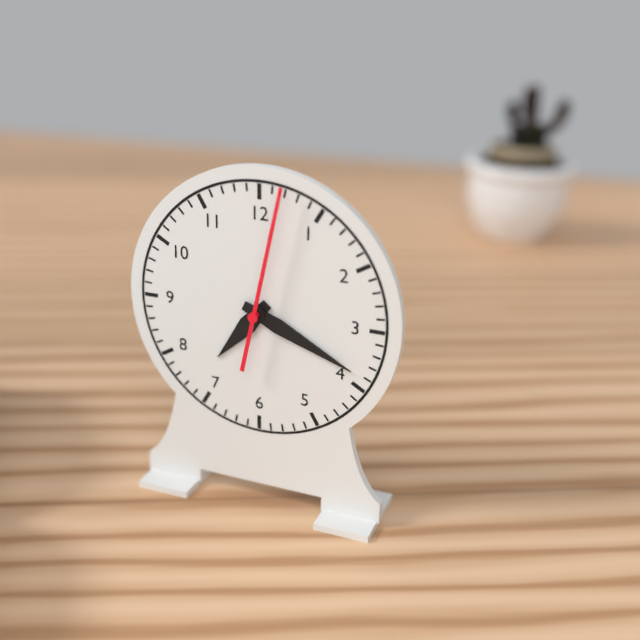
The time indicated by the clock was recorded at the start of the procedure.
7:19:02
